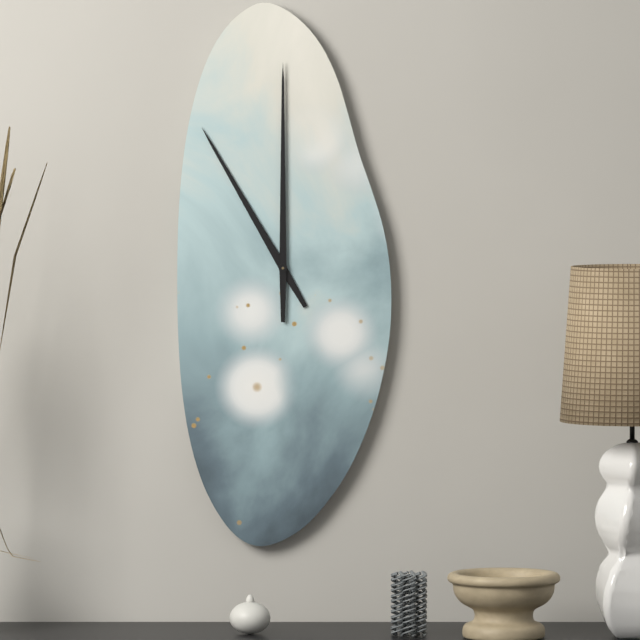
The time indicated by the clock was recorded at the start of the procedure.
11:00
